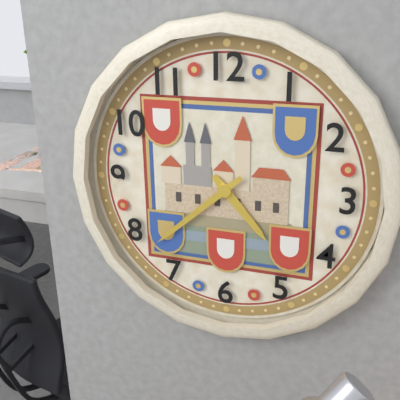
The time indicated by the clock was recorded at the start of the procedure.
4:38
